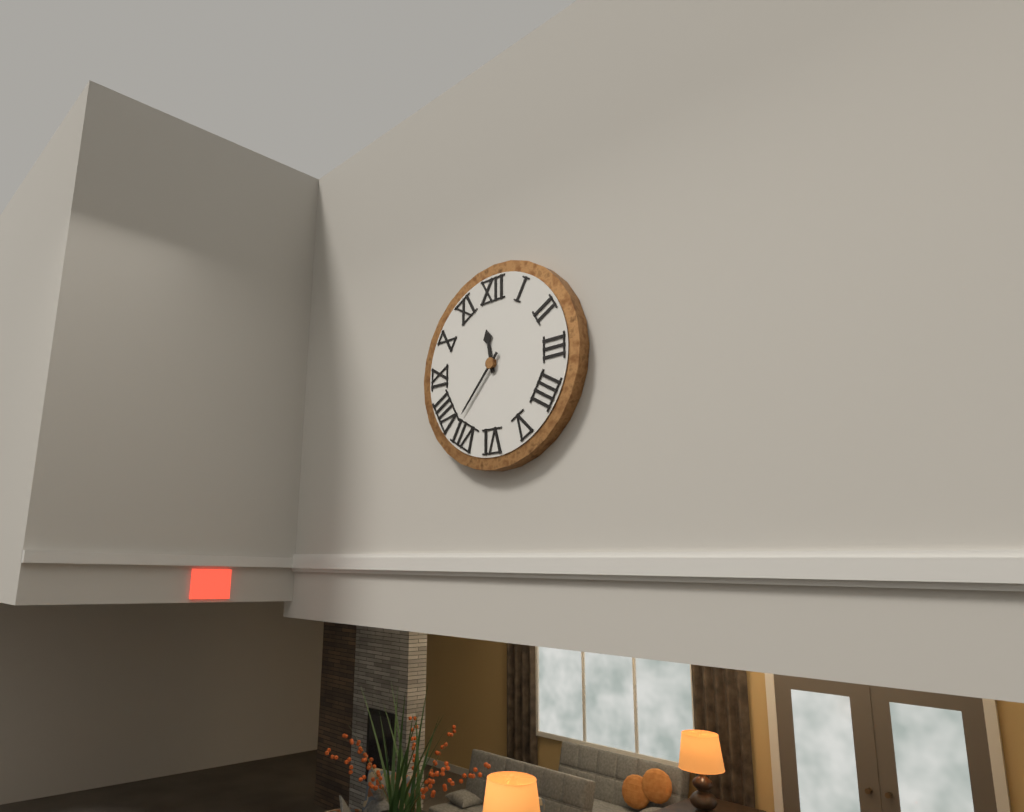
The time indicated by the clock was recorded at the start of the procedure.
11:37
